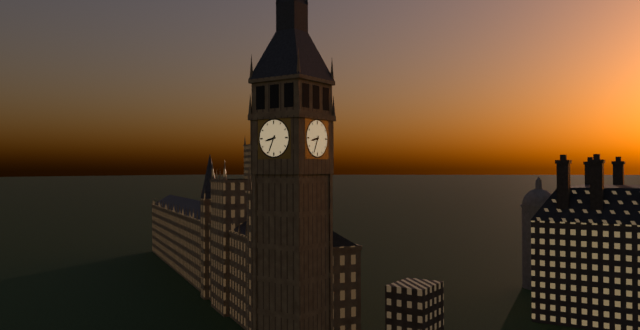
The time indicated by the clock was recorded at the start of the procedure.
8:34
